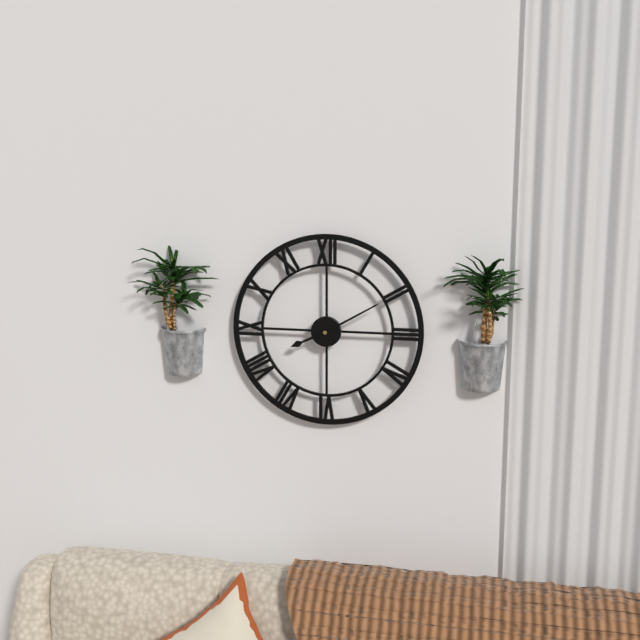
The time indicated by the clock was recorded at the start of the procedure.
8:10
